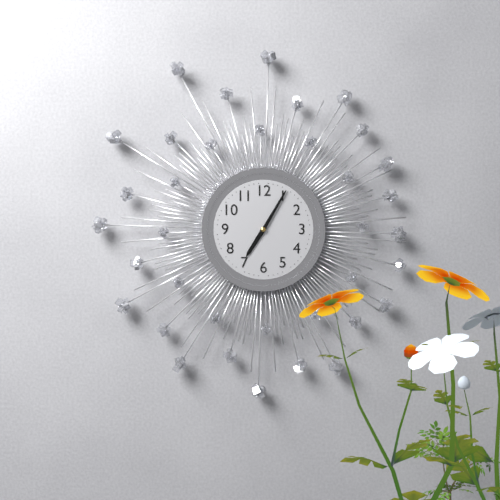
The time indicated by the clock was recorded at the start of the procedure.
7:05
